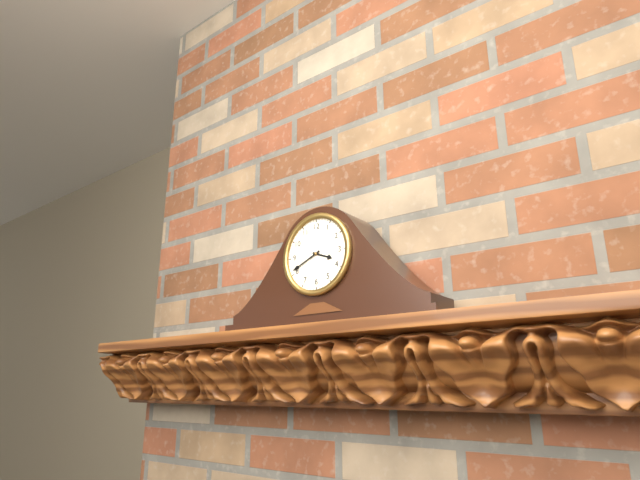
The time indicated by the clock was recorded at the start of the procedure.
3:41
